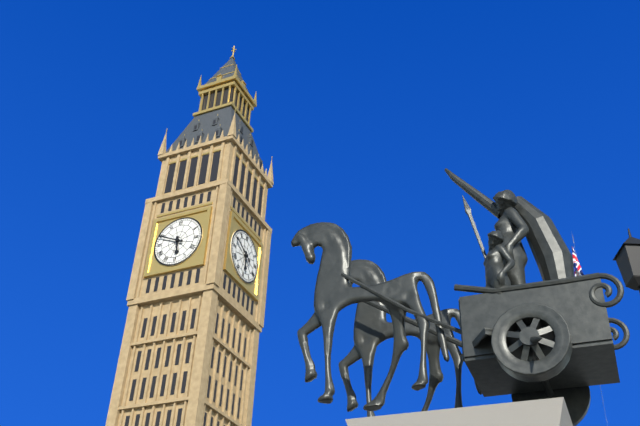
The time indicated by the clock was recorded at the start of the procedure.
5:49
